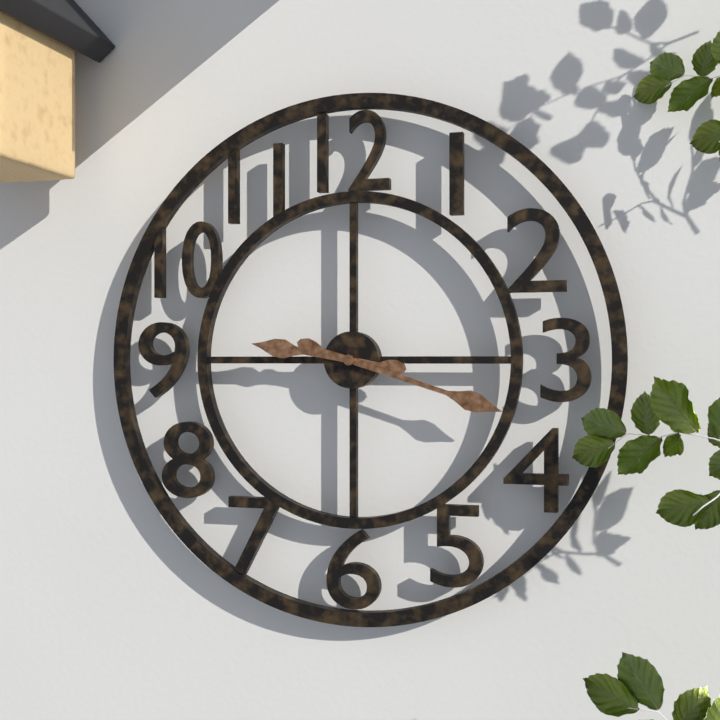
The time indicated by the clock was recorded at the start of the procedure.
9:18
